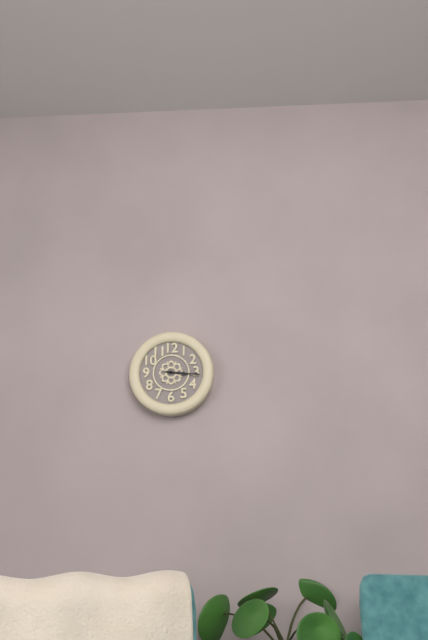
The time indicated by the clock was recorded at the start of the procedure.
3:16
